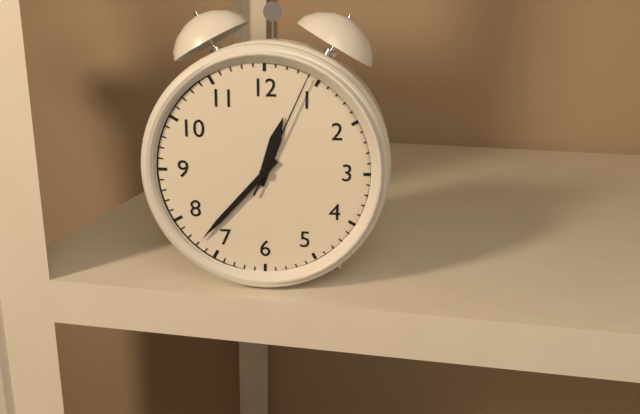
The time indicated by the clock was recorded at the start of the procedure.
12:37:04
